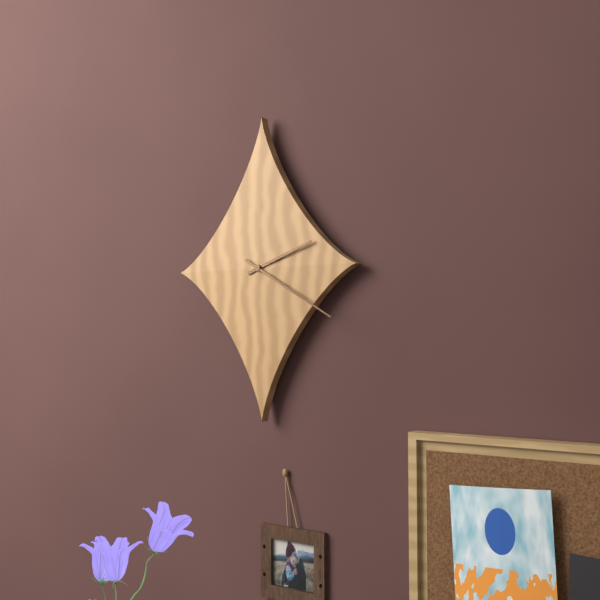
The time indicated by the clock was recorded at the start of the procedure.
2:20
